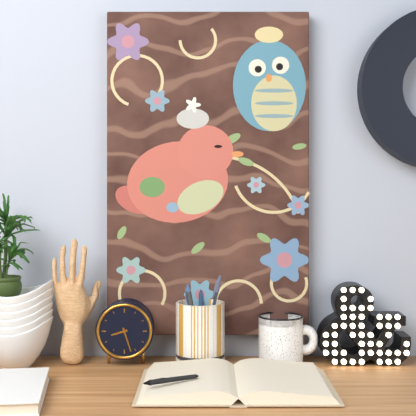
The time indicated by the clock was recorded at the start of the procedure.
8:27
